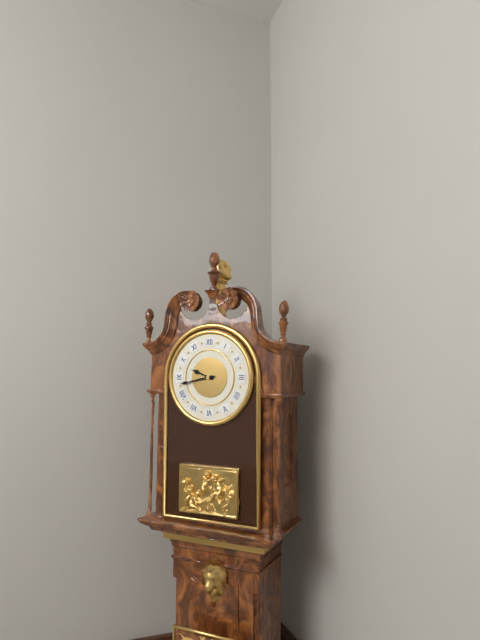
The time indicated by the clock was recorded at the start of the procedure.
9:43
